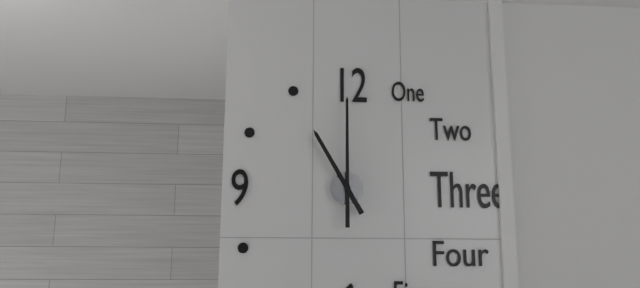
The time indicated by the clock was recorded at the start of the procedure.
11:00
